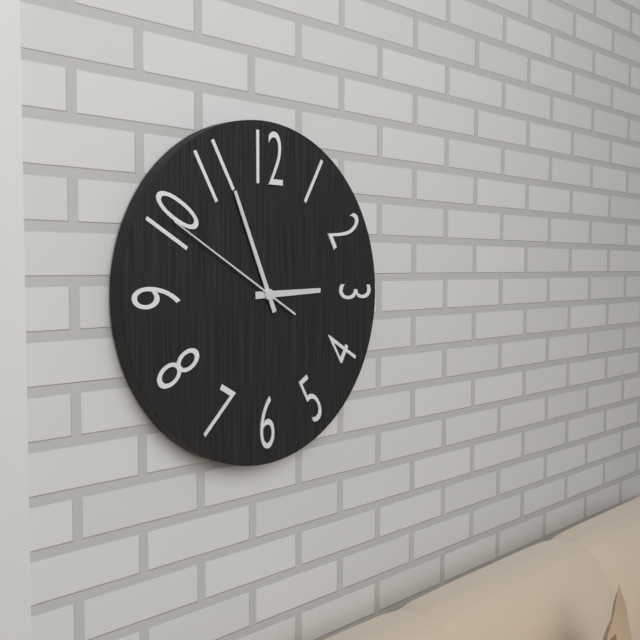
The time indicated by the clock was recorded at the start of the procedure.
2:56:50
